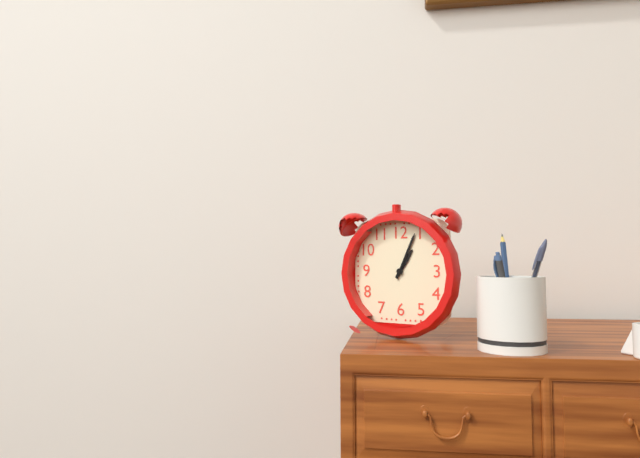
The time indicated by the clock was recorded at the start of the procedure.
1:04
